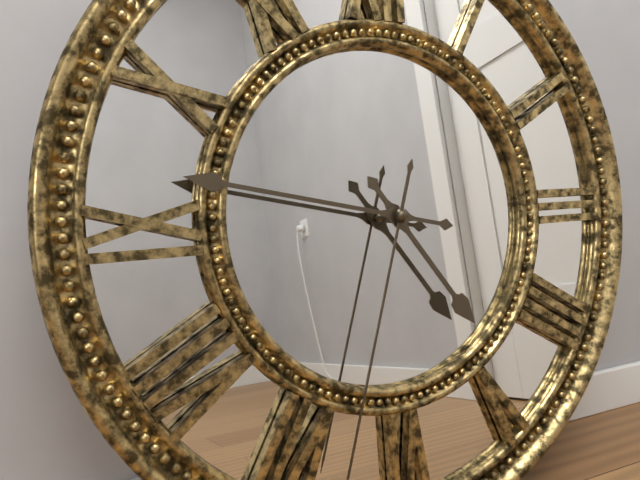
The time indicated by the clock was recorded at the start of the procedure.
4:47
